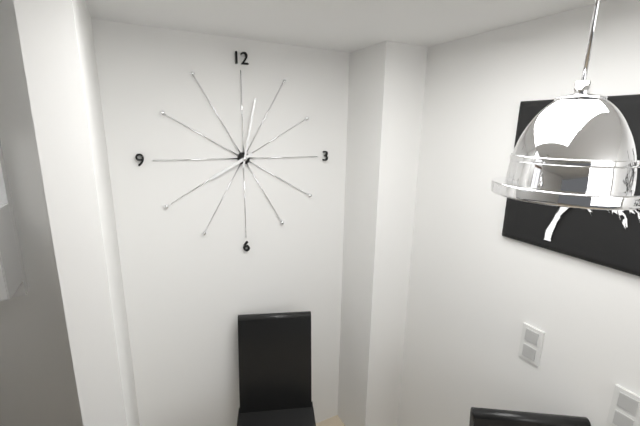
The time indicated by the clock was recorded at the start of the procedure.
8:02
